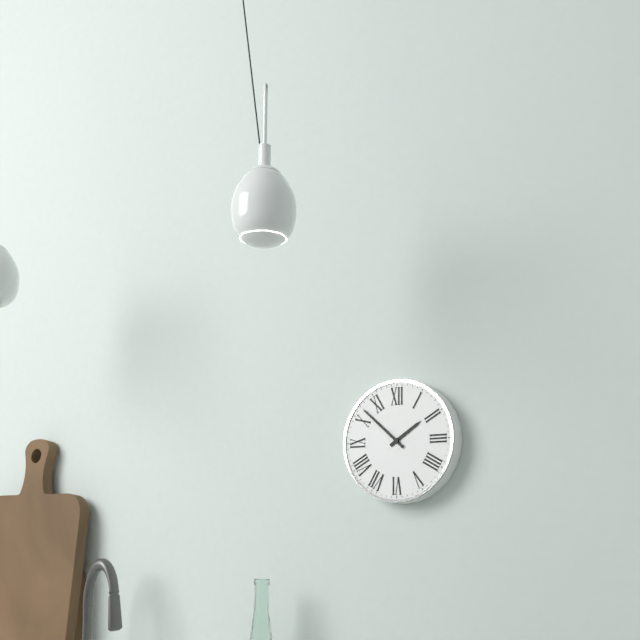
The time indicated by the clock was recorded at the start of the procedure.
1:52
